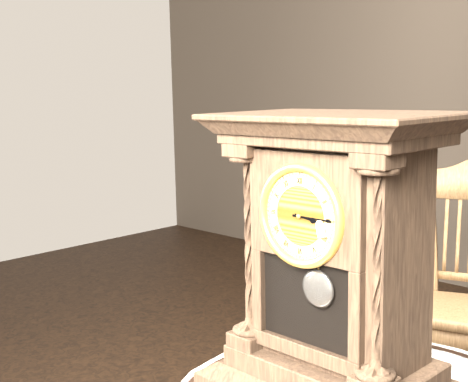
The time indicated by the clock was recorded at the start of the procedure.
3:15
